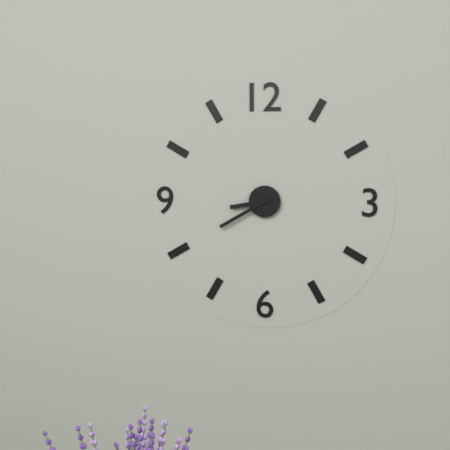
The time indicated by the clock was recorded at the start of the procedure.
8:40
